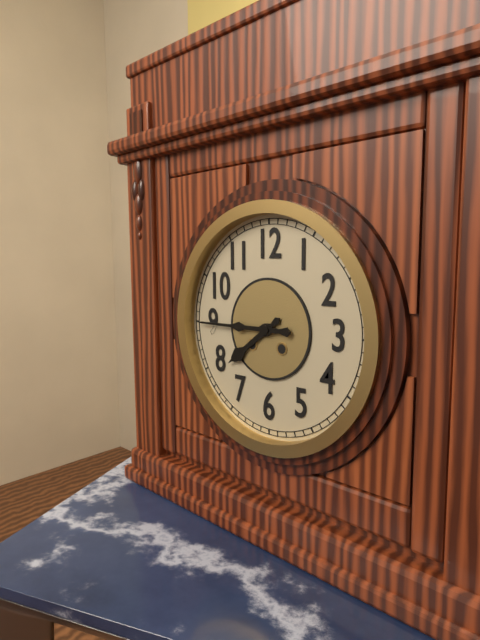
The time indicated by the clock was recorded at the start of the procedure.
7:45
